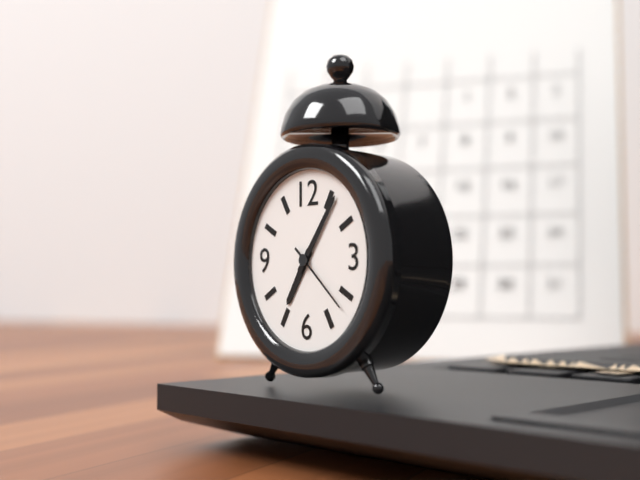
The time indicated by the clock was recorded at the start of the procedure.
7:06:22
